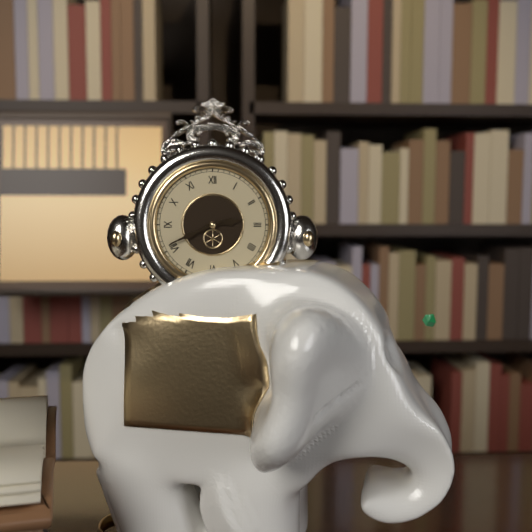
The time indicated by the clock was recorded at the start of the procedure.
2:41
